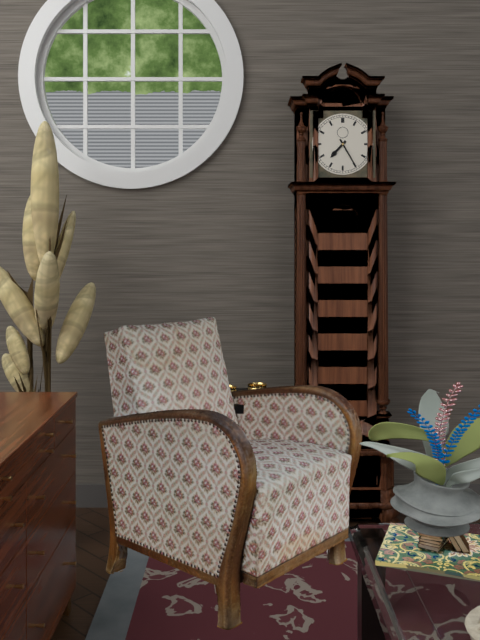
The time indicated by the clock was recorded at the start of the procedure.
7:25
